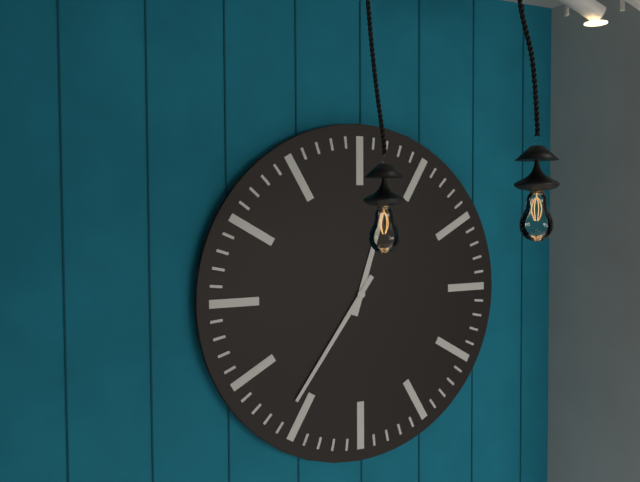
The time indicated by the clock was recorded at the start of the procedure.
12:36
